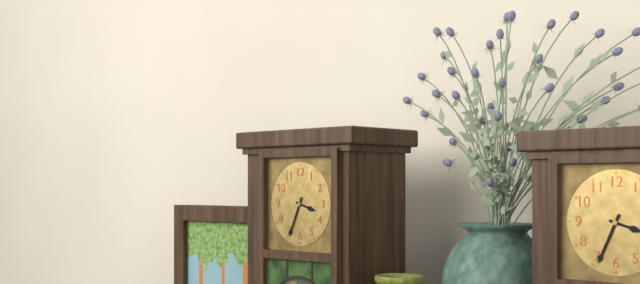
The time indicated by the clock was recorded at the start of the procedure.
3:34
